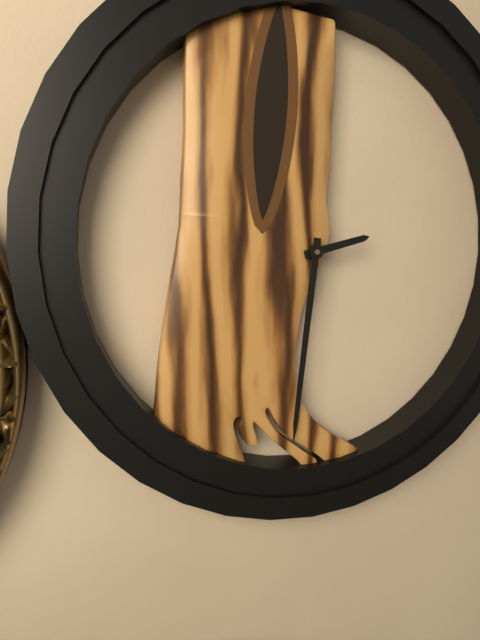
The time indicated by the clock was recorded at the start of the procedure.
2:31
